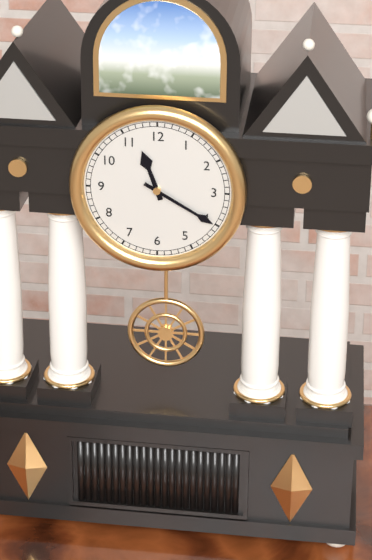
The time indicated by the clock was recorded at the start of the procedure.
11:20
